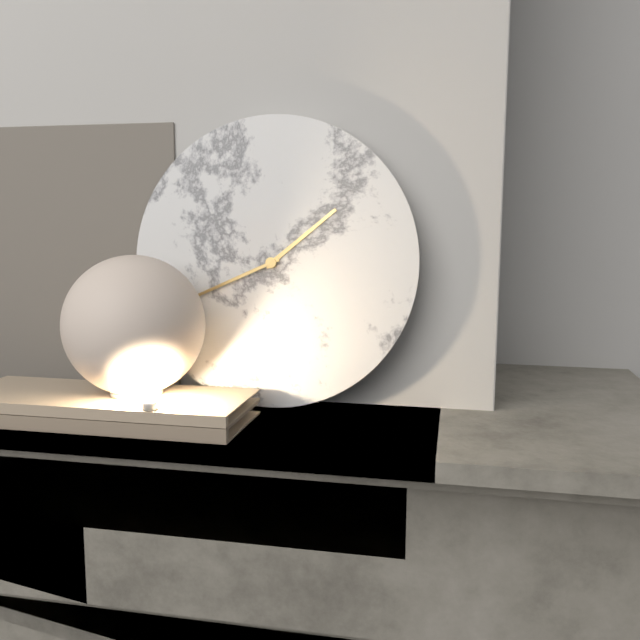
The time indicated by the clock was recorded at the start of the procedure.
1:41
